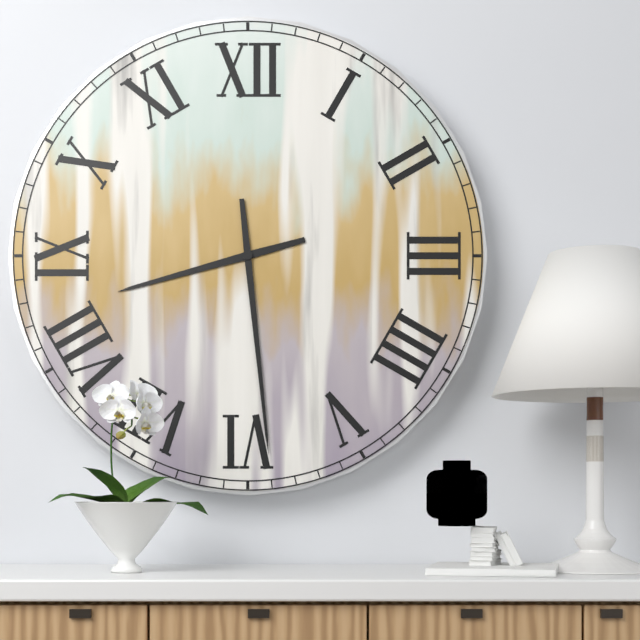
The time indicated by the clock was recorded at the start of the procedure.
8:29
